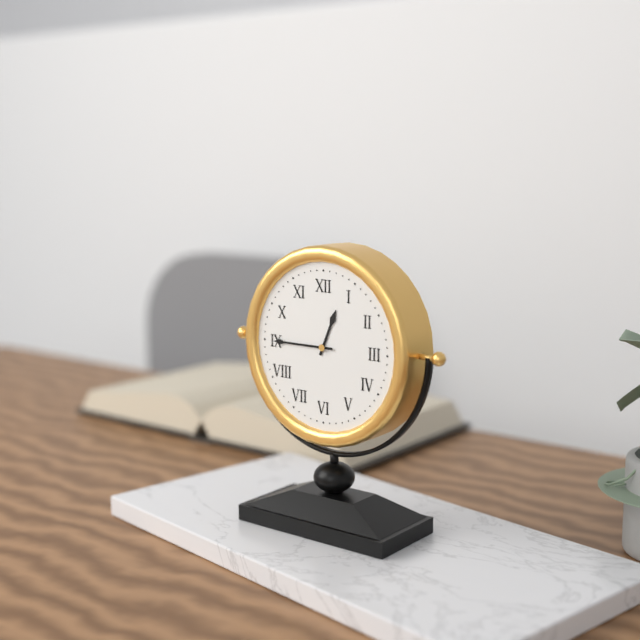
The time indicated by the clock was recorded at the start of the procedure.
12:45
